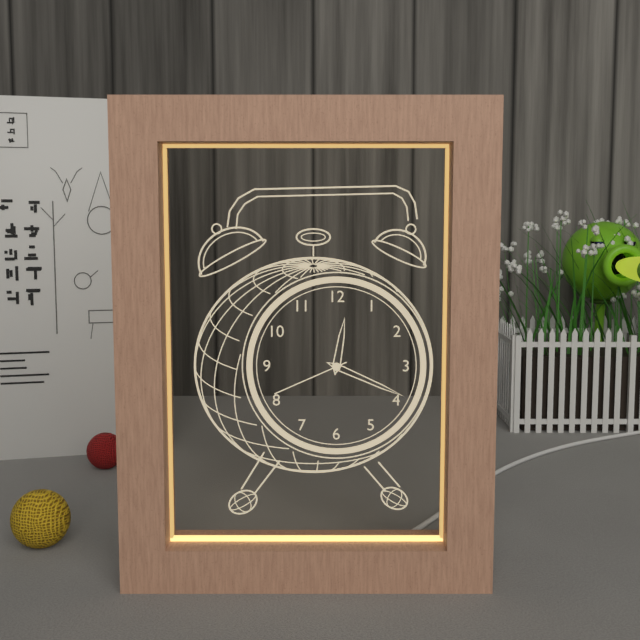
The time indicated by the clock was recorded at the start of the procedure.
12:19:41
